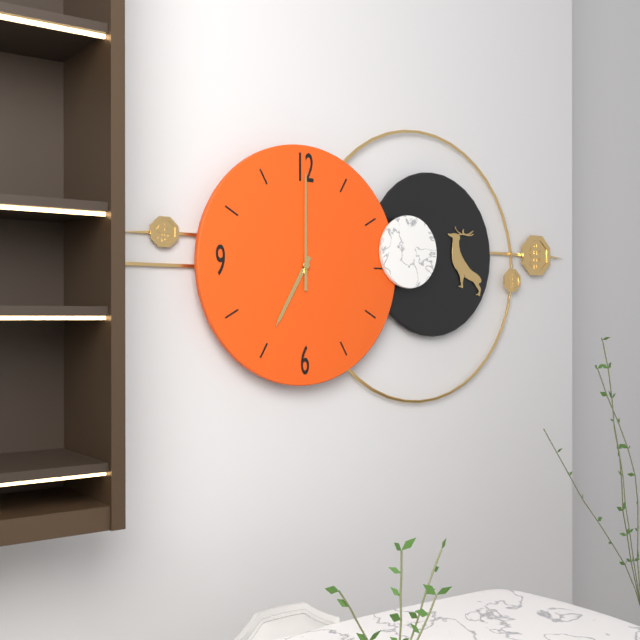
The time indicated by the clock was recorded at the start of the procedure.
7:00
